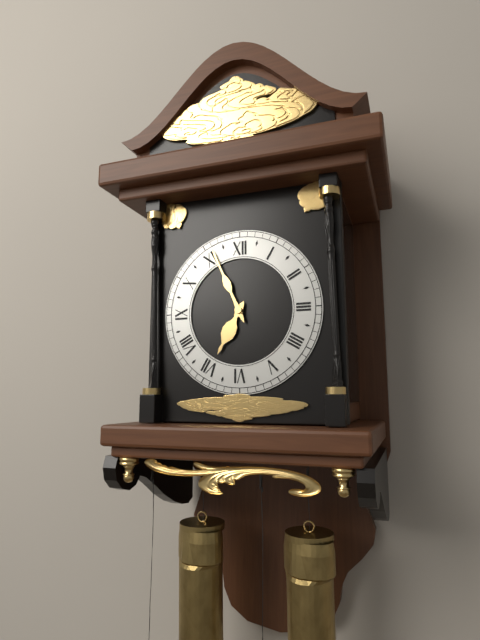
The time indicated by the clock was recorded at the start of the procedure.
6:56
